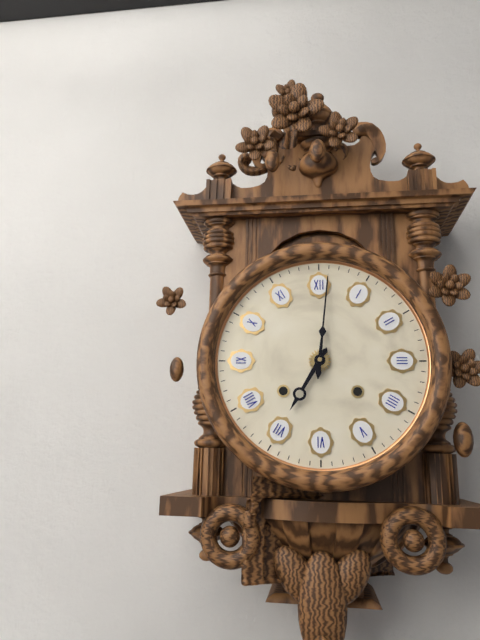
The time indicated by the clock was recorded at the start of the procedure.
7:01
